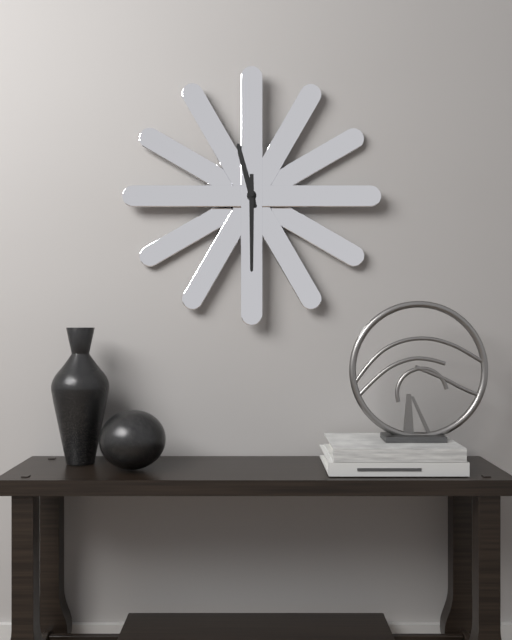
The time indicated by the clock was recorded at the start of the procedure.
11:30
